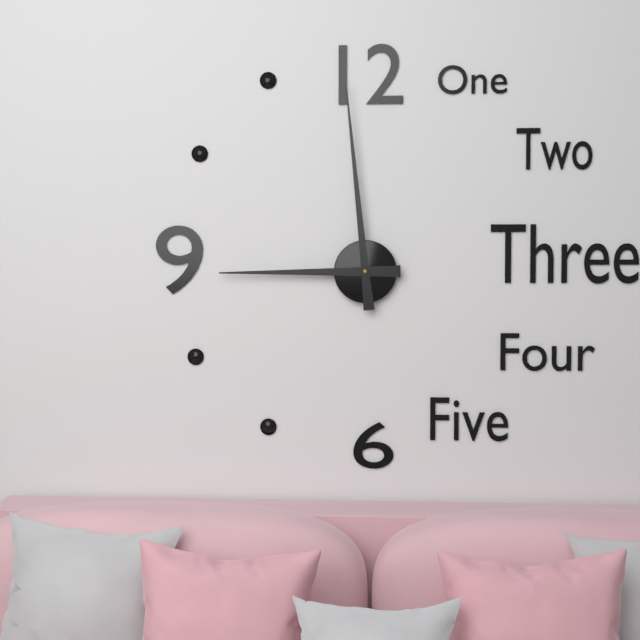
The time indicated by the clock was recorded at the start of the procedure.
8:59
